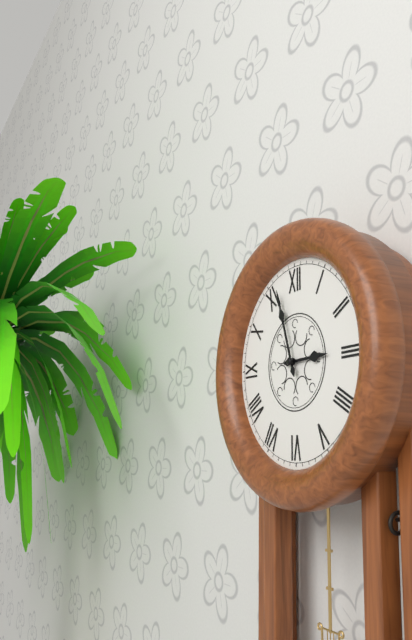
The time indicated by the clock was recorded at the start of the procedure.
2:57
